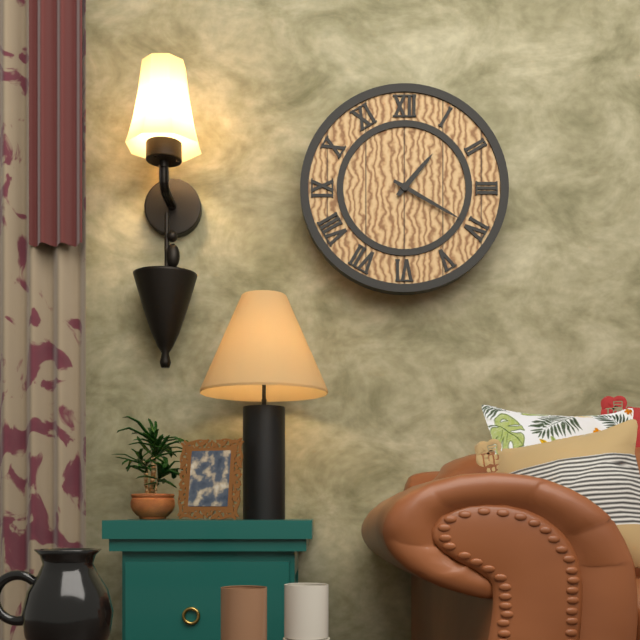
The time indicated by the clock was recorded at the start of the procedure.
1:20
